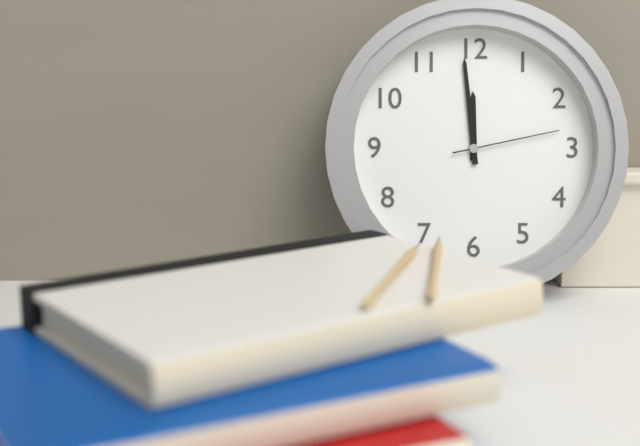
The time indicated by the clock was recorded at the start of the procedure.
11:59:13
